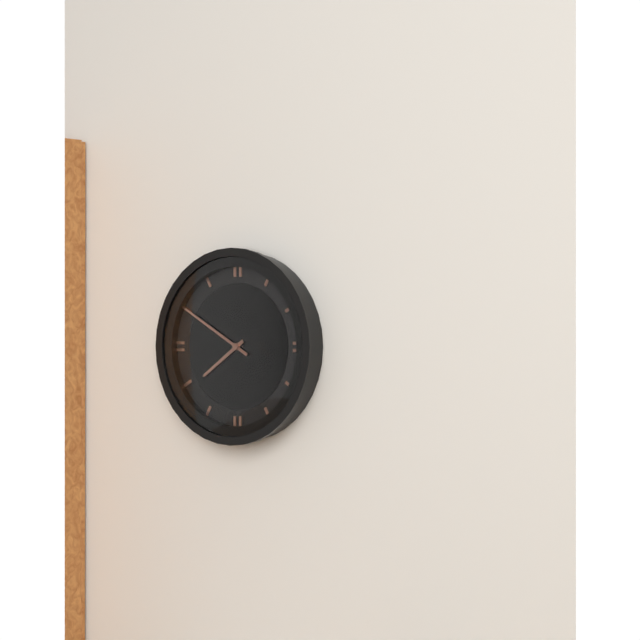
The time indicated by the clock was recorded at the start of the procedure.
7:50
